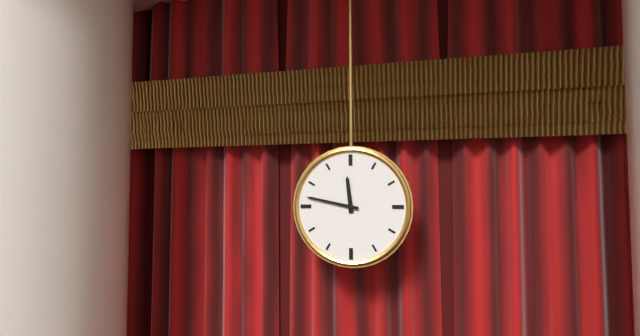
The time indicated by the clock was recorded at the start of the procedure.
11:47
